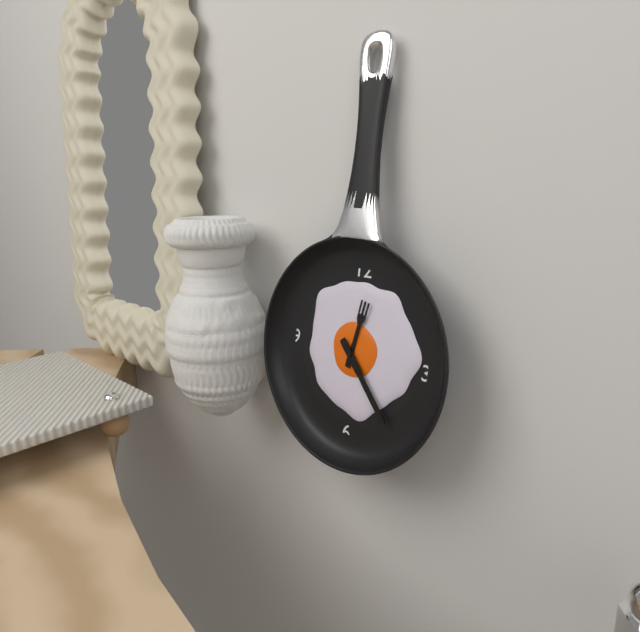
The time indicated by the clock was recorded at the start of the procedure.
12:23
